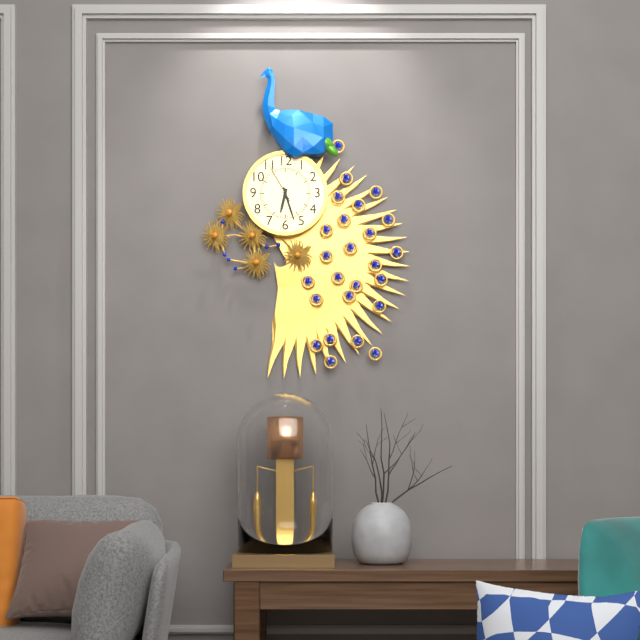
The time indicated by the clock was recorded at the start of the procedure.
6:27
